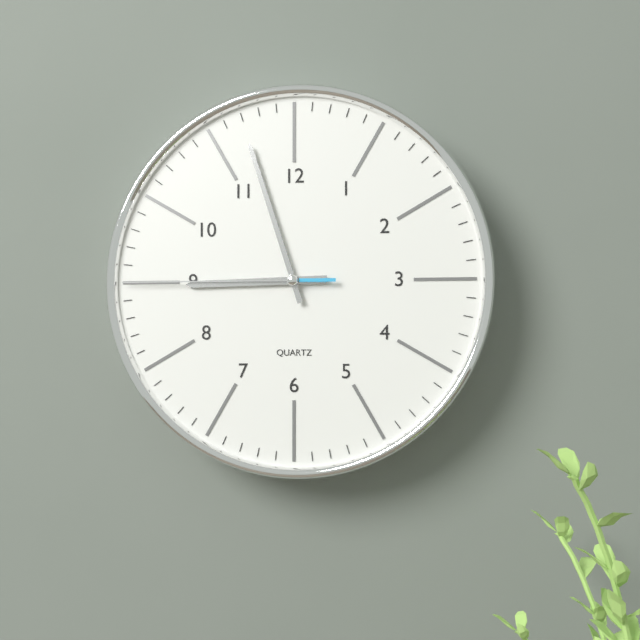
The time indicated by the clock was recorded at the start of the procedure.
8:57:45
